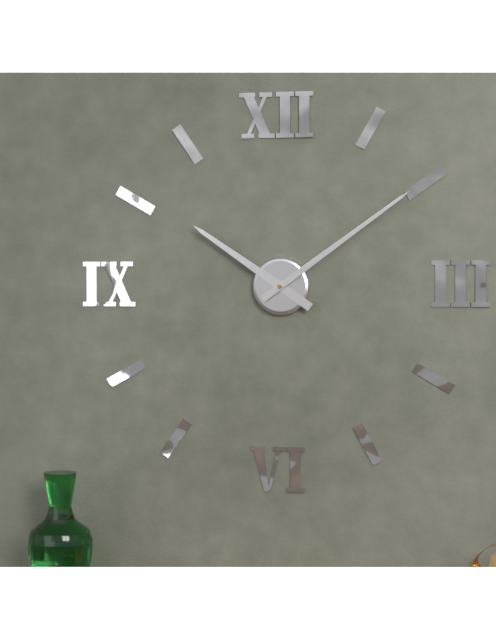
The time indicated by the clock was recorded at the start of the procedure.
10:09
